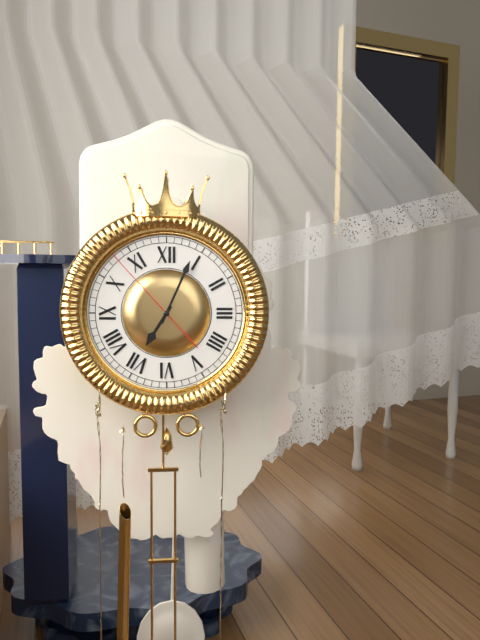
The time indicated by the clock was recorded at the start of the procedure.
7:04:53
